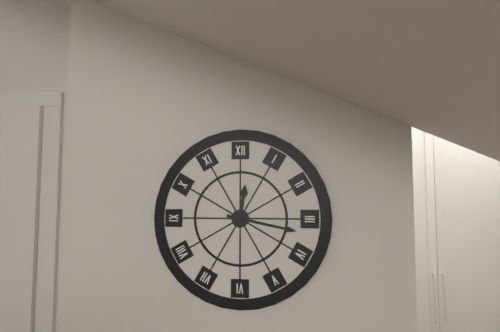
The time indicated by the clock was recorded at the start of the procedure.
12:17
